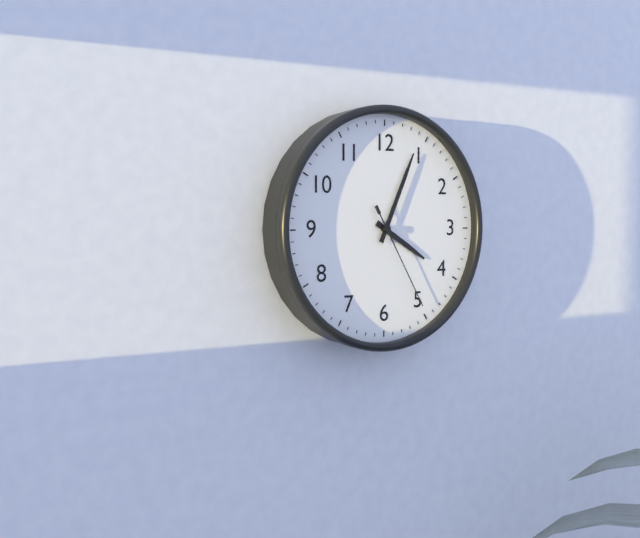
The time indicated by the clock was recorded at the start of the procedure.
4:04:25
